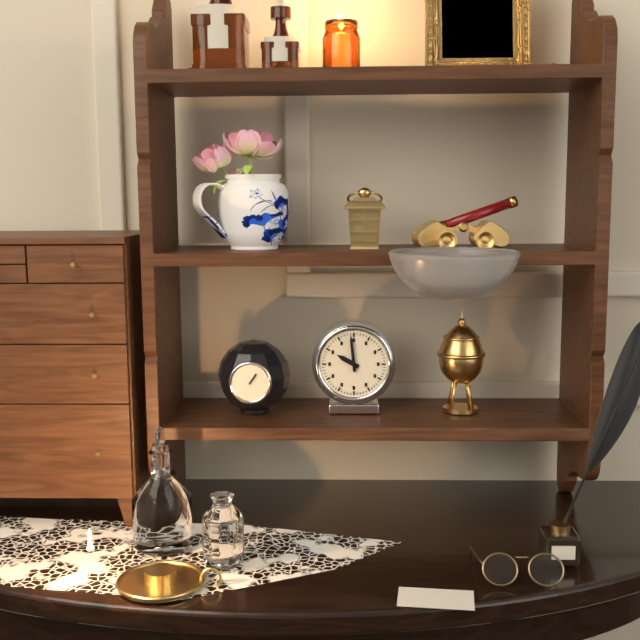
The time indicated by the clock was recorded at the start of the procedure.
9:59
